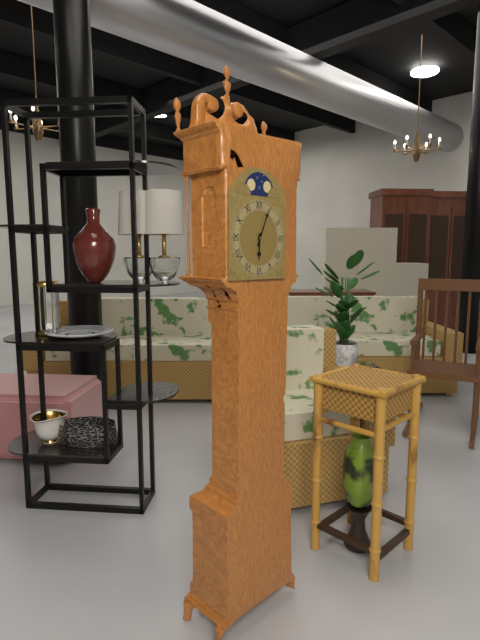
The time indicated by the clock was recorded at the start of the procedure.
6:04
